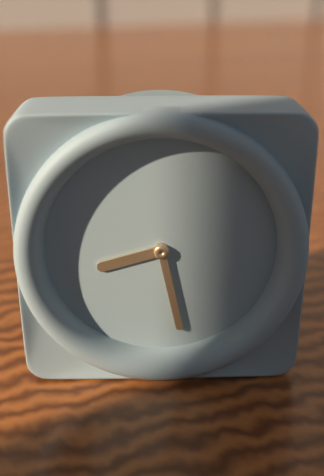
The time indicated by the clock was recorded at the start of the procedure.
8:28
